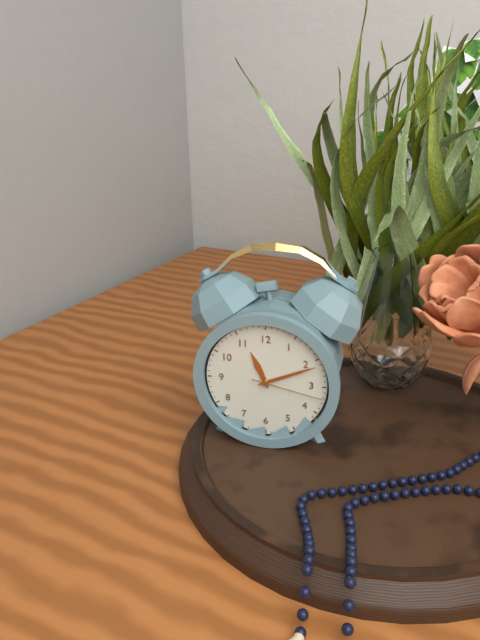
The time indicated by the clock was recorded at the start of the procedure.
11:11:17
